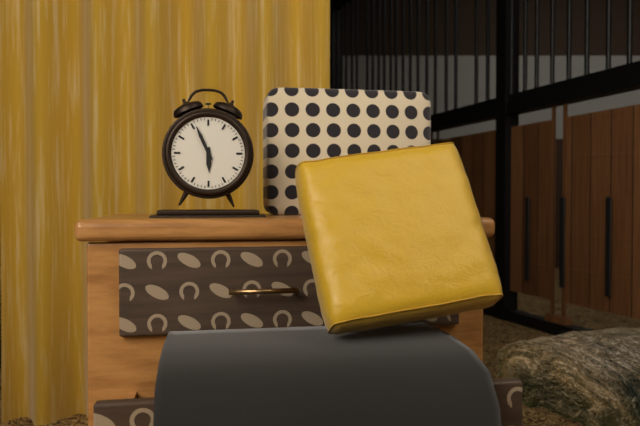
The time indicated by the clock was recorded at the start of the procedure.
5:56
